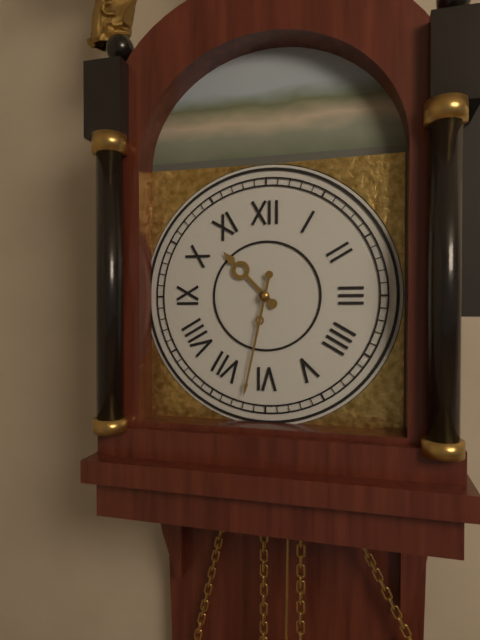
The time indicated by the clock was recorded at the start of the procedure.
10:32
